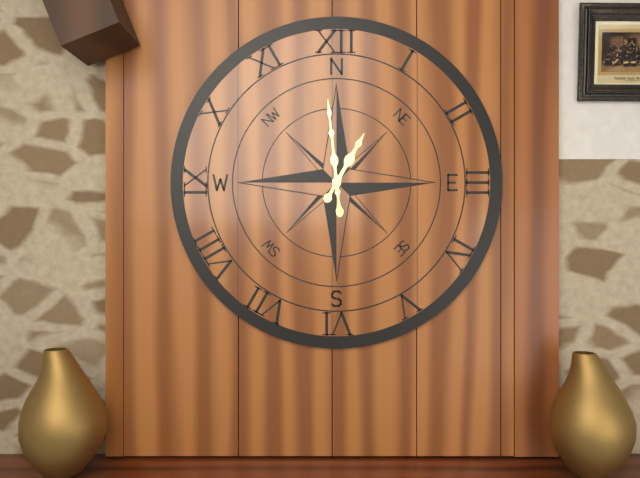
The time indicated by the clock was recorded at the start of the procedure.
12:59
